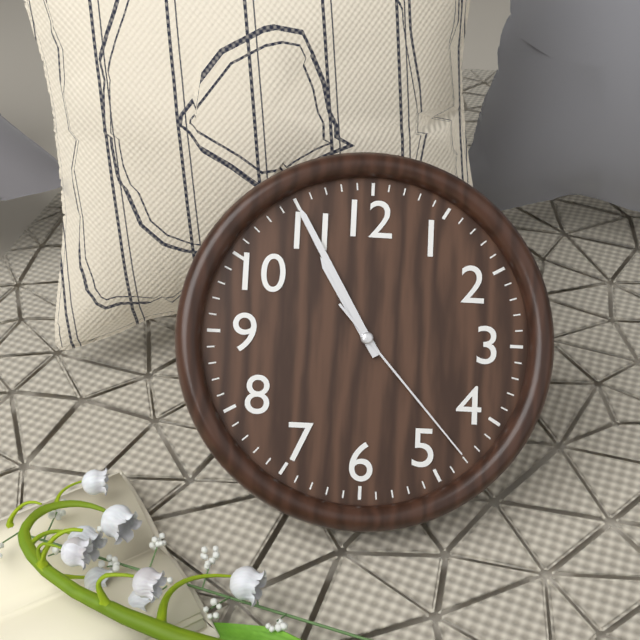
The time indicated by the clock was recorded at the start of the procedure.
10:55:23
